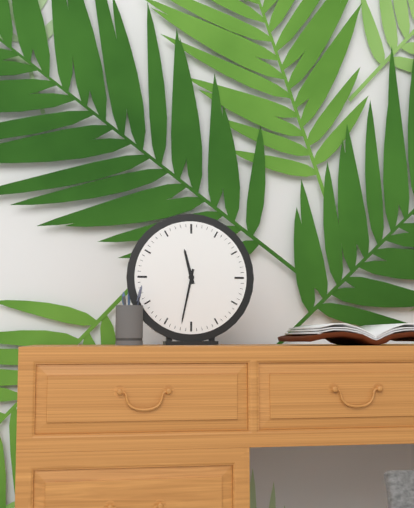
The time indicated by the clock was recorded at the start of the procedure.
11:32
